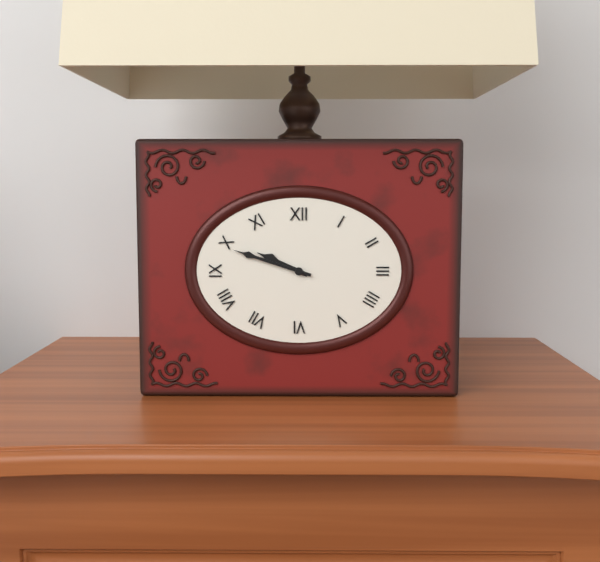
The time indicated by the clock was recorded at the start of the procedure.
9:48
